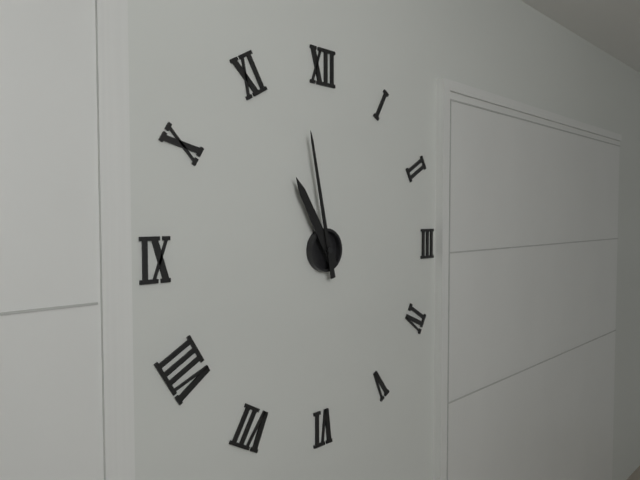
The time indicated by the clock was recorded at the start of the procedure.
10:58
